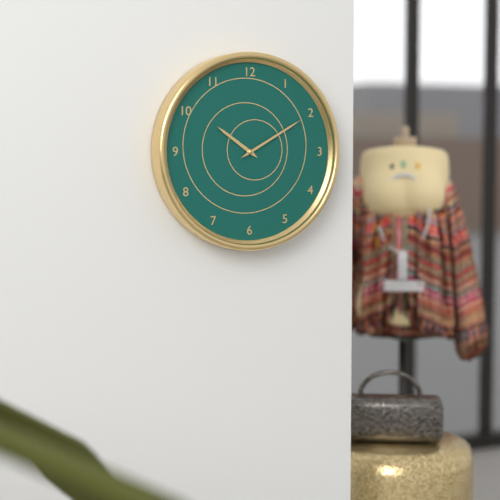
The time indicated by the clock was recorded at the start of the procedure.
10:10
